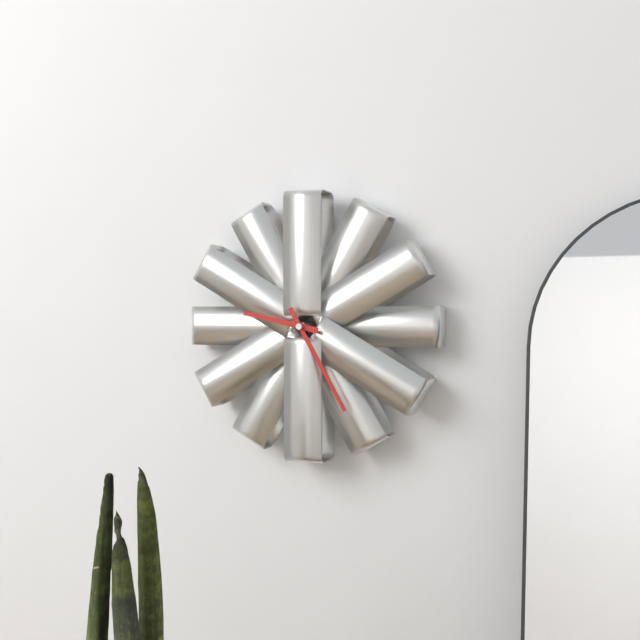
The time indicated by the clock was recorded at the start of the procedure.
9:25
